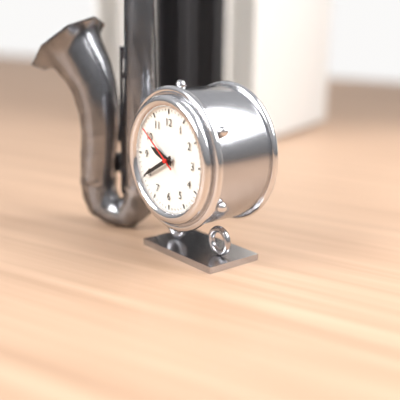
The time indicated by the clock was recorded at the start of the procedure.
9:40
